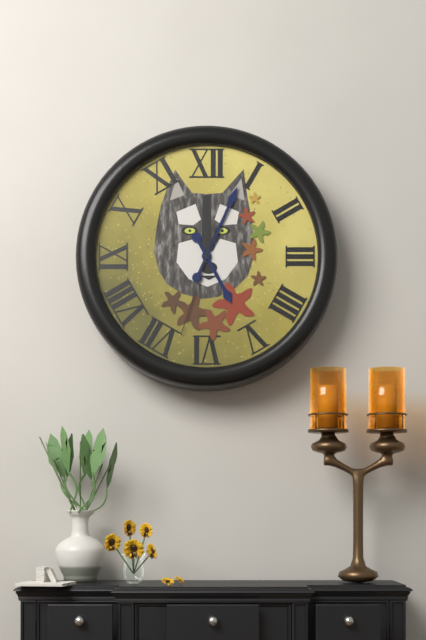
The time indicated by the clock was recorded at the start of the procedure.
5:04:33
